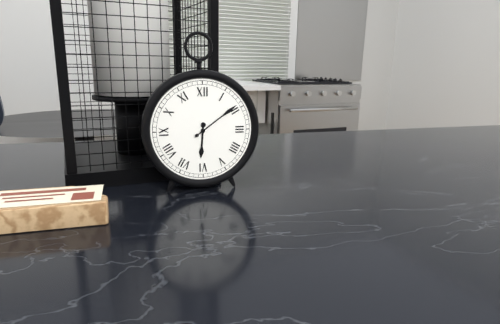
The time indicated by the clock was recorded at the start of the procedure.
6:09
